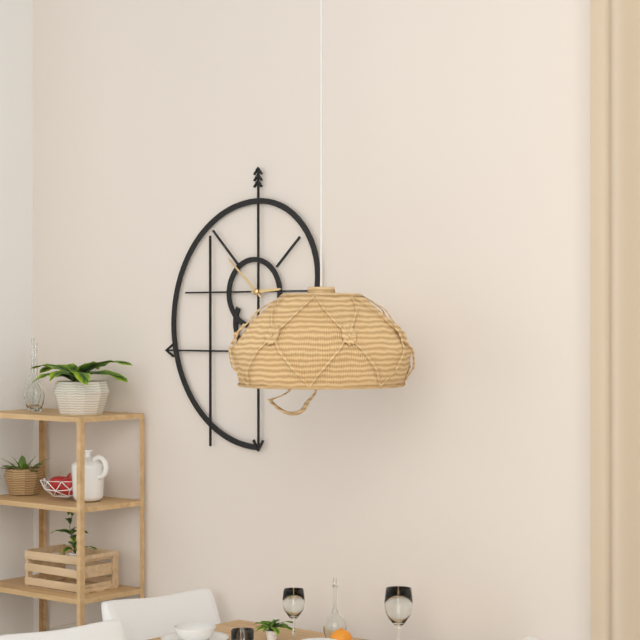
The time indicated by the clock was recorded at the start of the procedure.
2:52
